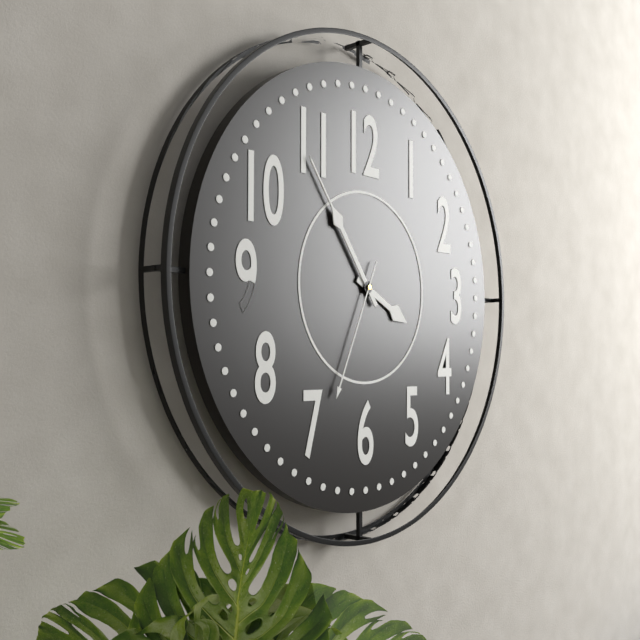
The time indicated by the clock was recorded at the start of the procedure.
3:54:34
